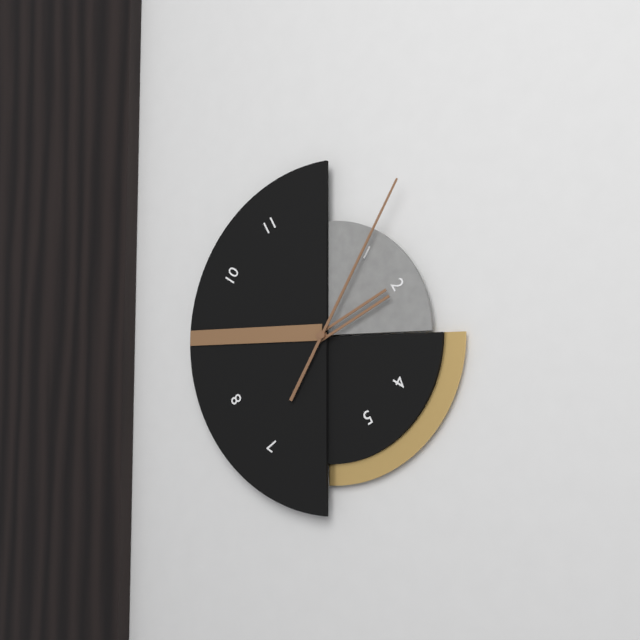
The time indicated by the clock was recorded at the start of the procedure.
2:05
